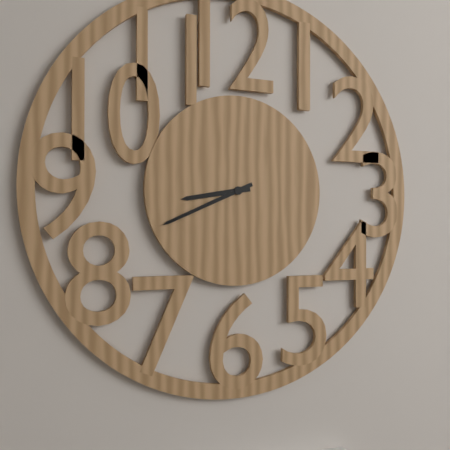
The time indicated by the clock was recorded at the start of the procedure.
8:41
